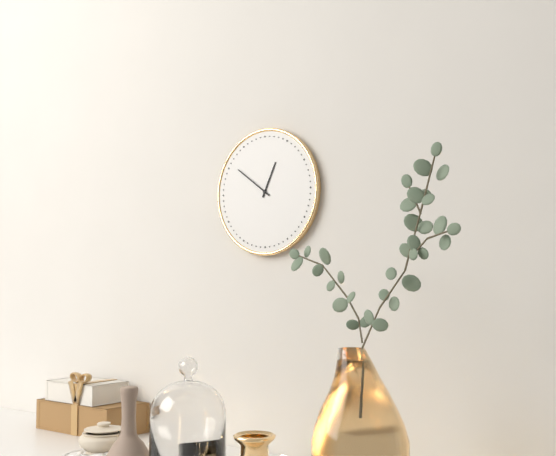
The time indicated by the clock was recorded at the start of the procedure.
12:51
